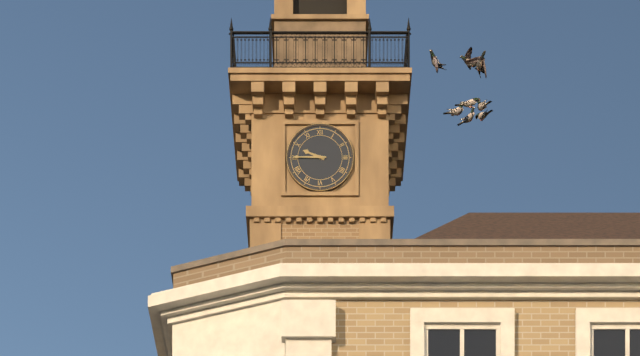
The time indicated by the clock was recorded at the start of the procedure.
9:45
